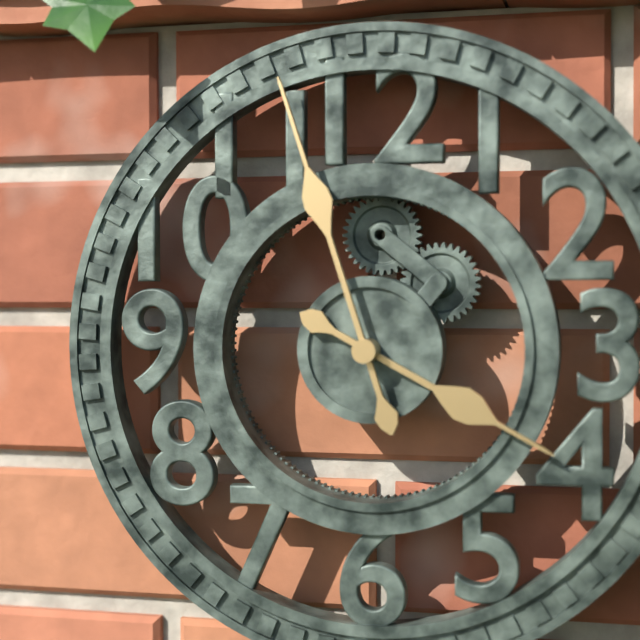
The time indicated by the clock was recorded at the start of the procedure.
3:57
